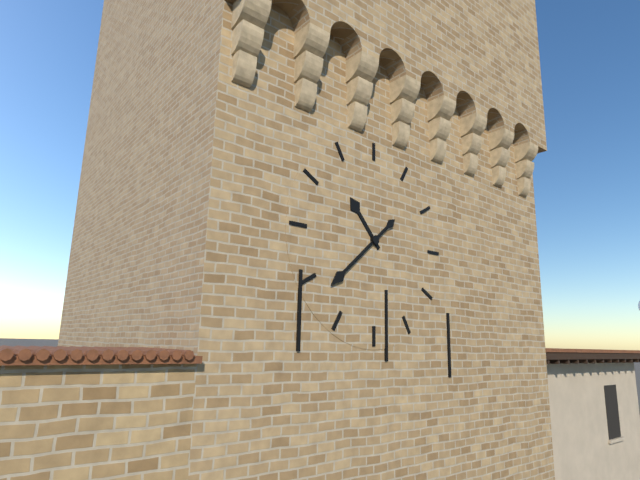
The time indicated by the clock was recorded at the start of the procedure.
10:38
